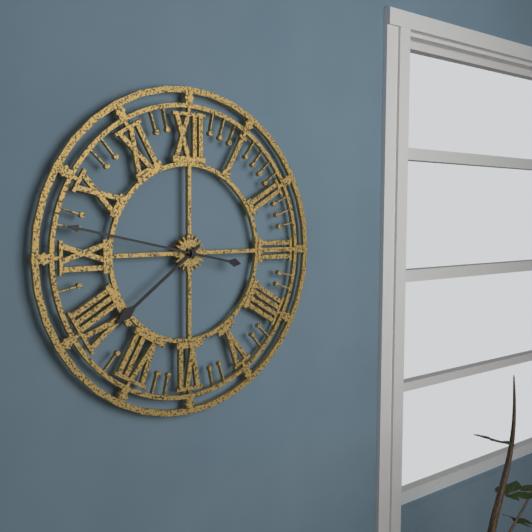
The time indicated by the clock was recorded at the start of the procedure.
7:47
